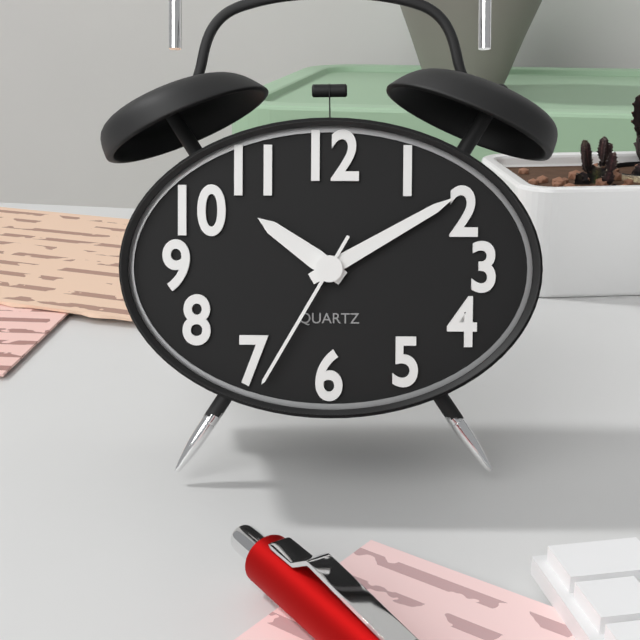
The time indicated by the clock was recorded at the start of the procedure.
10:10:35
